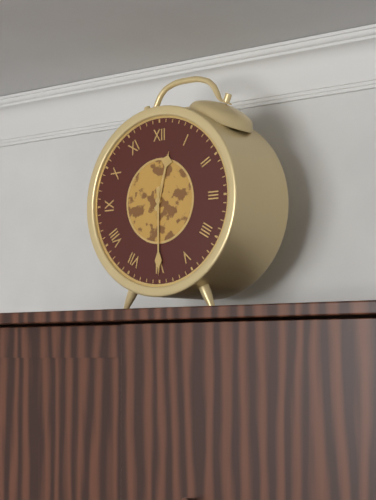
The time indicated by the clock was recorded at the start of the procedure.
12:30
